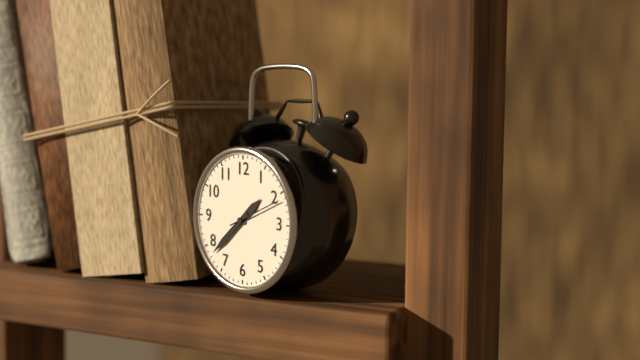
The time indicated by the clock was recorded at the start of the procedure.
1:38:11
